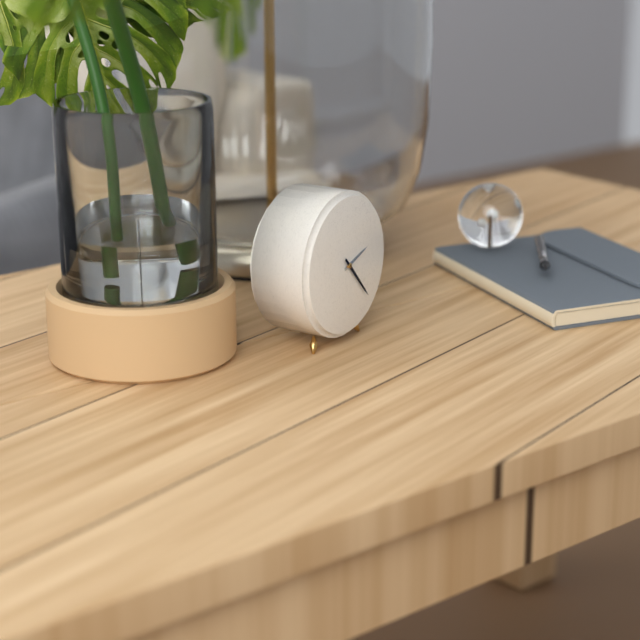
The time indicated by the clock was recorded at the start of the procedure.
2:23
